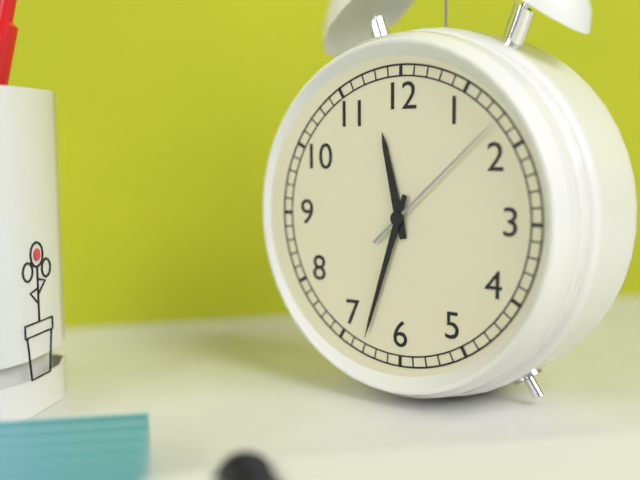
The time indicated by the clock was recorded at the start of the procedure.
11:33:08
